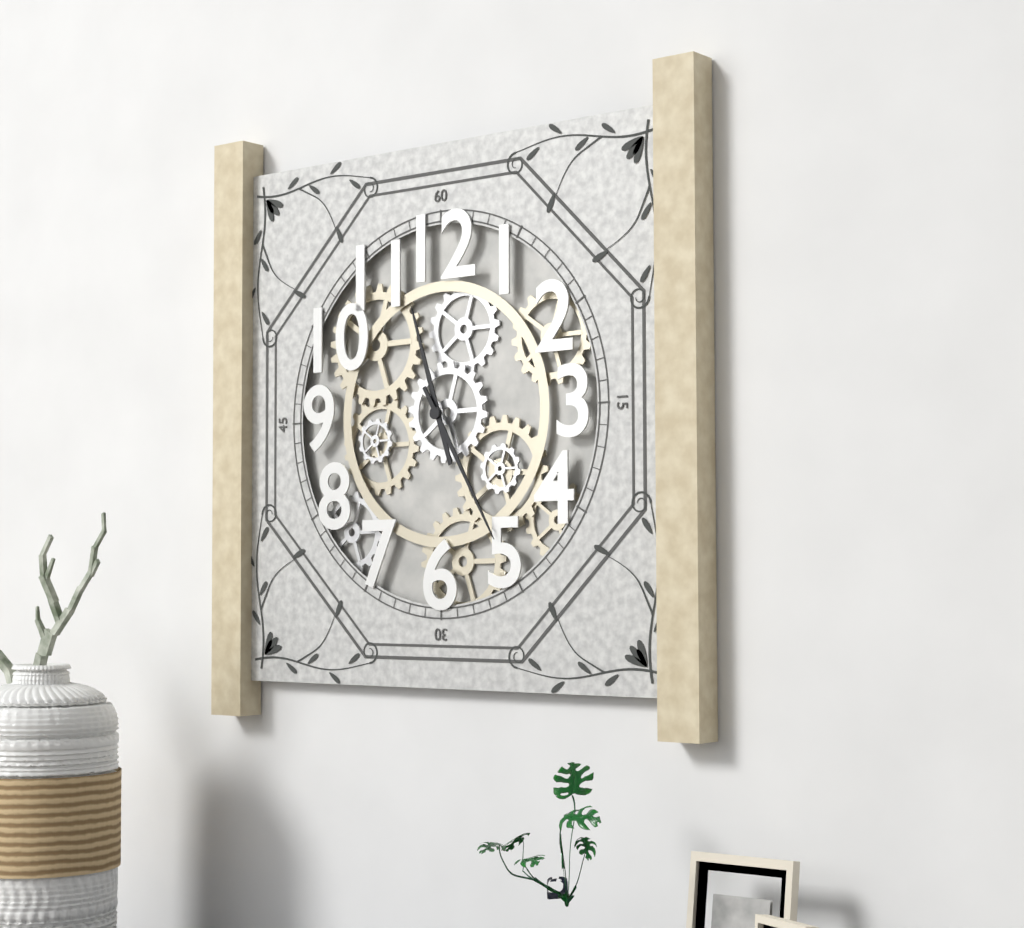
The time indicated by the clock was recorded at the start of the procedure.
11:25
